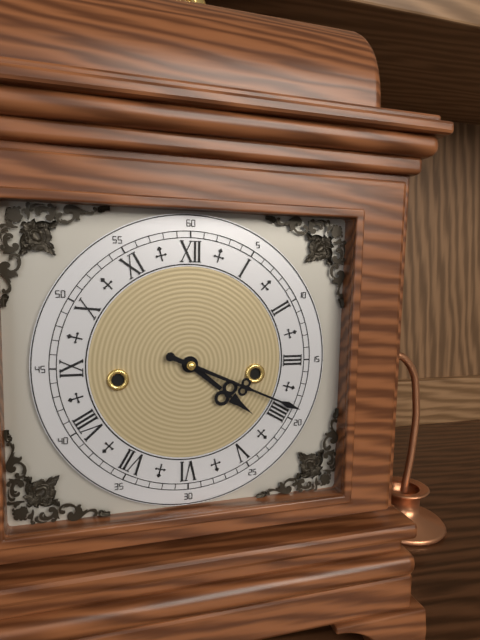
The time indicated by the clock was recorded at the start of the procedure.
4:19
